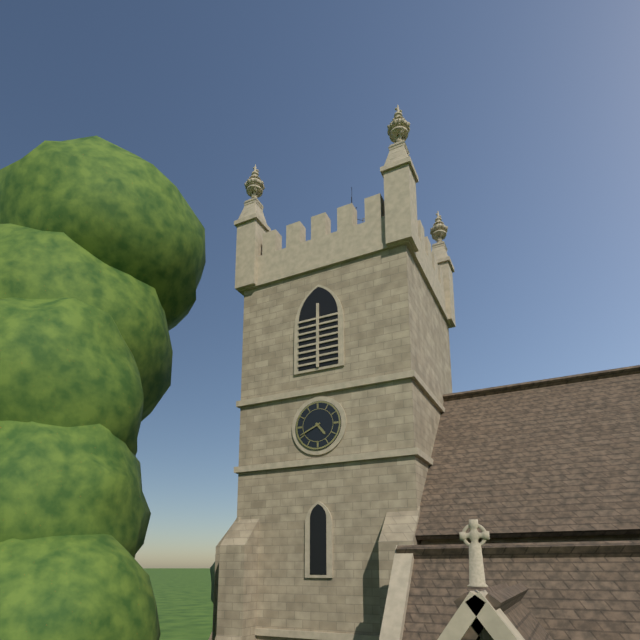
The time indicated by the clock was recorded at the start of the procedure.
4:41
